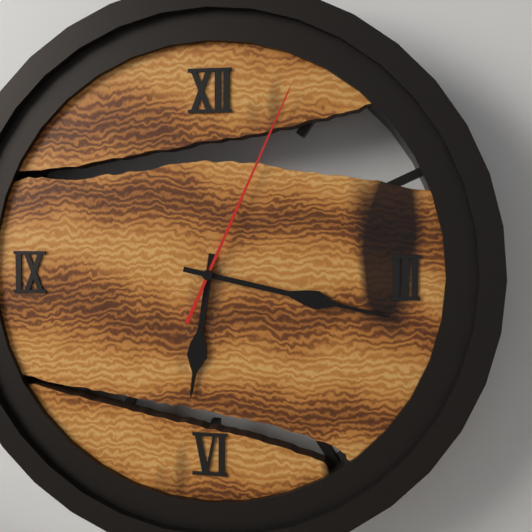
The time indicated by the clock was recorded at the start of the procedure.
6:17:04
